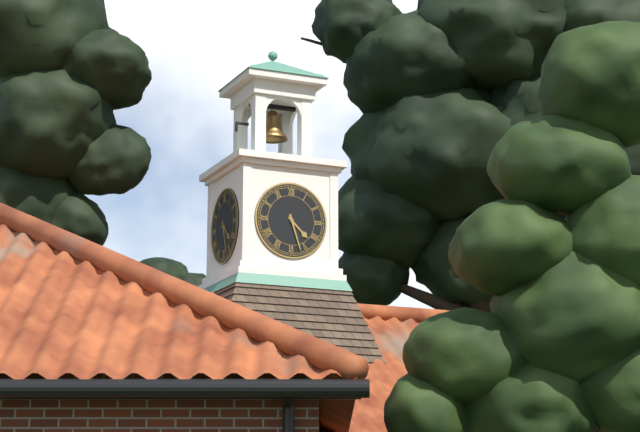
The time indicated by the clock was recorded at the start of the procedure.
4:27
